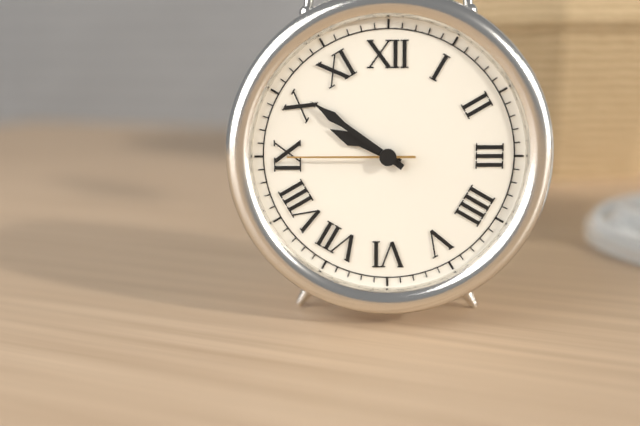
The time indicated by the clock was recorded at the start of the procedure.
9:51:45
